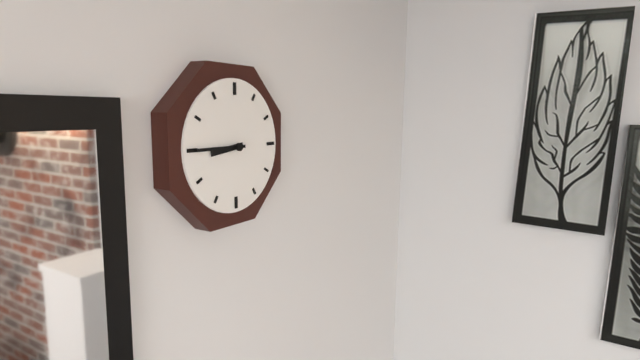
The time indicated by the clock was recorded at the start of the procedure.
8:45
